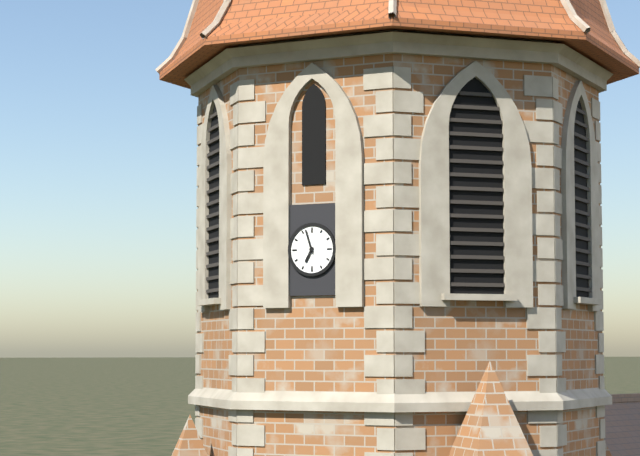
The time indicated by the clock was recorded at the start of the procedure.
6:57
